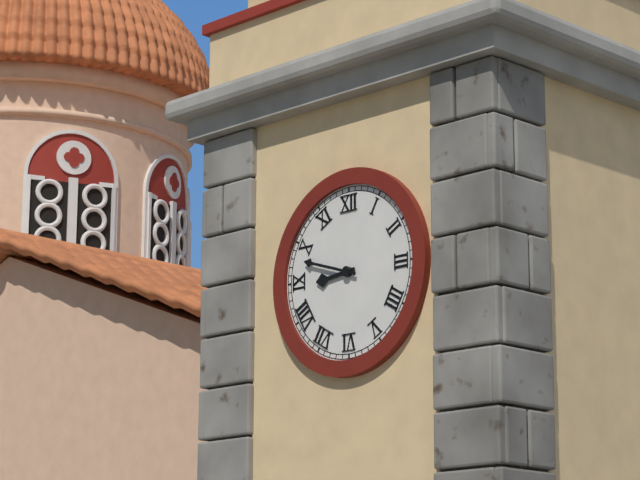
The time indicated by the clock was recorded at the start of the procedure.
8:48
